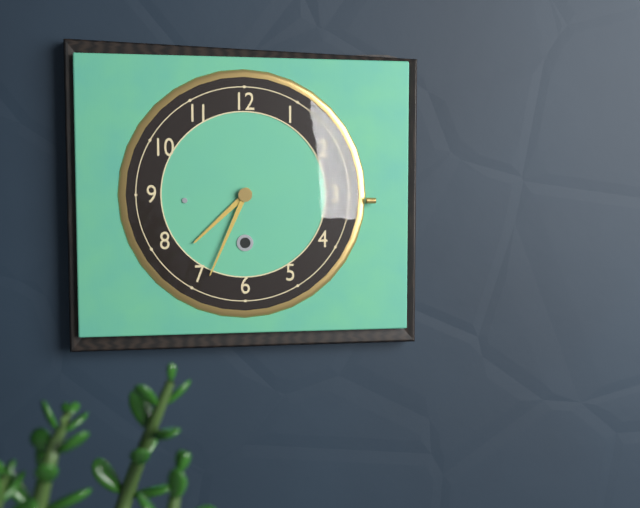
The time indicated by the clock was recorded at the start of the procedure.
7:34
